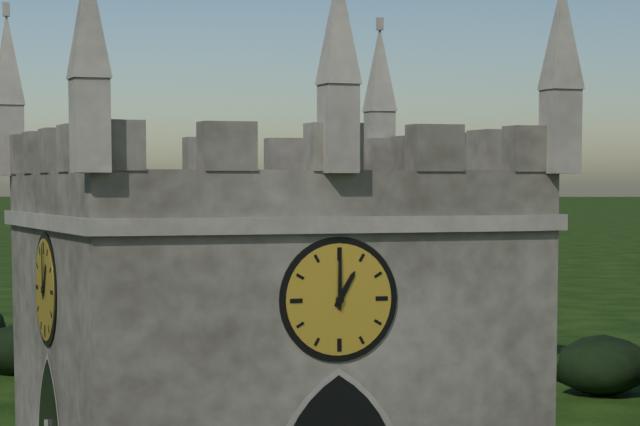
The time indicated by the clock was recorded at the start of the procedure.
1:00
